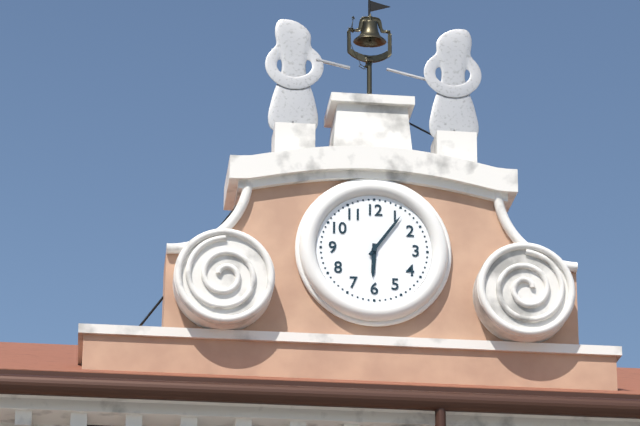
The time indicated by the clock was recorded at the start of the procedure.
6:06
